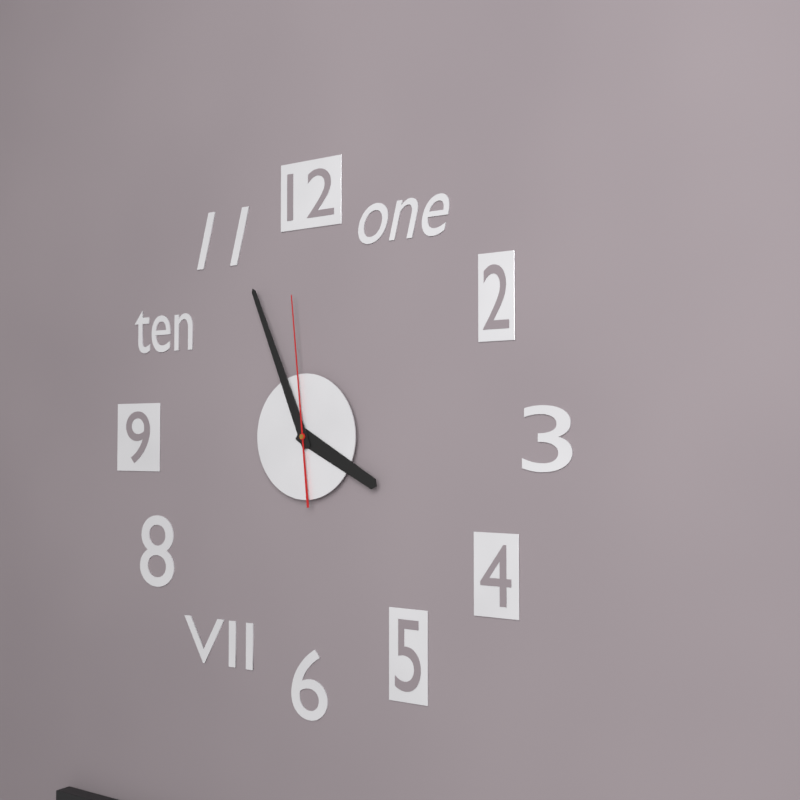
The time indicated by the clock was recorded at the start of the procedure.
3:56:59
